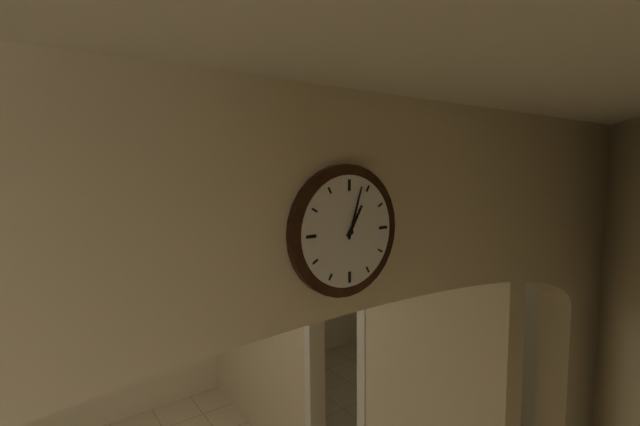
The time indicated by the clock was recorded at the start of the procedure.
1:03
